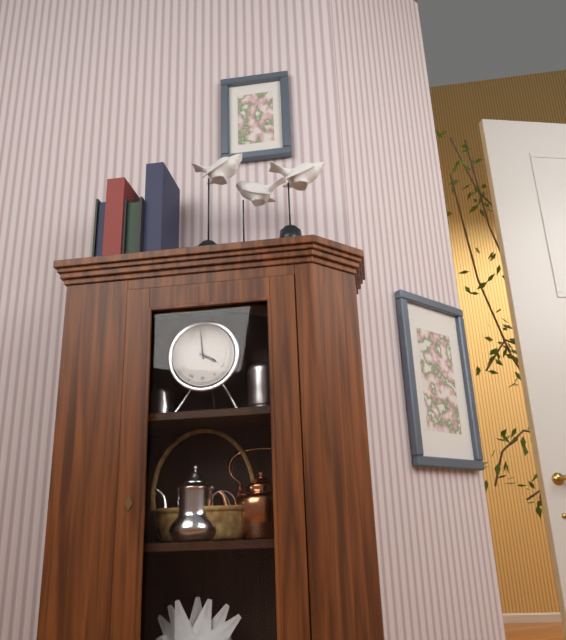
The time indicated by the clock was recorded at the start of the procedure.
3:59
